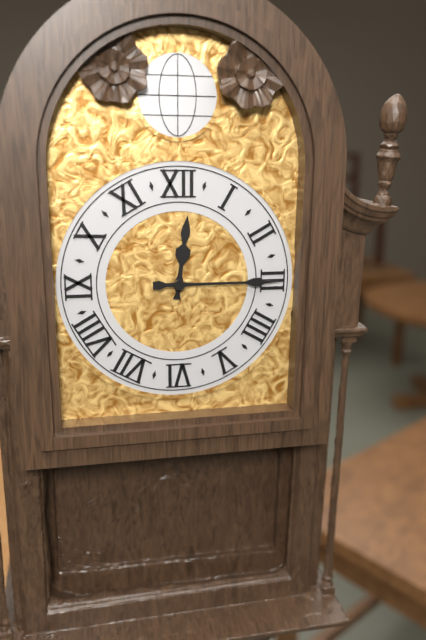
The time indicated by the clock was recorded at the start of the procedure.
12:15
